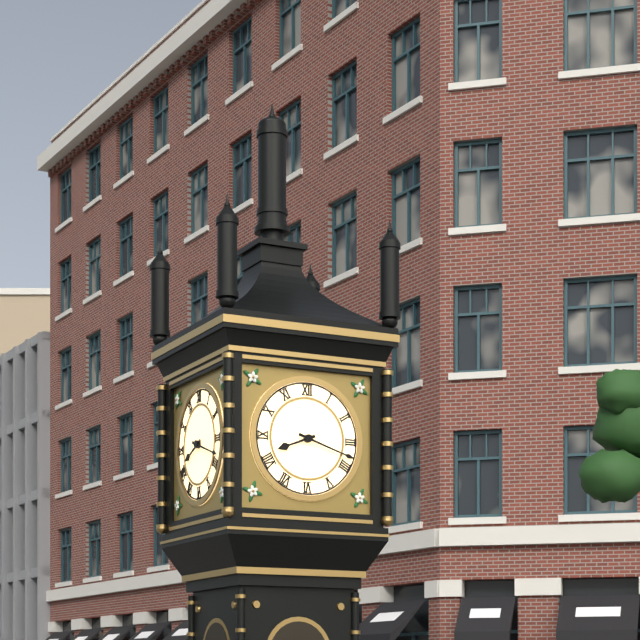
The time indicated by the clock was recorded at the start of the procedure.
8:18
